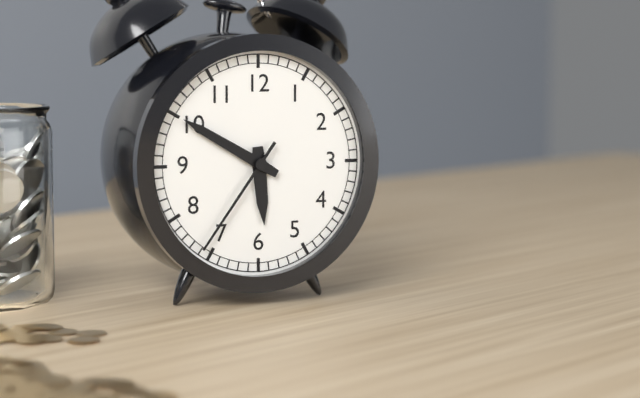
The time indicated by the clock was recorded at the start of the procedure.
5:50:36
